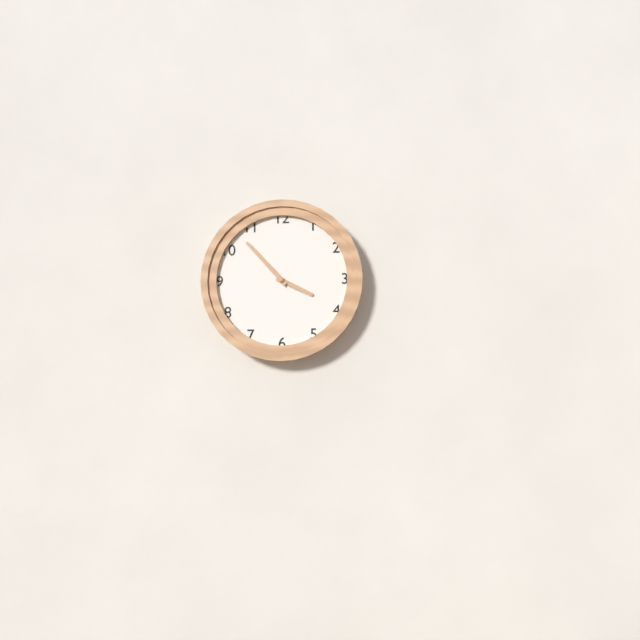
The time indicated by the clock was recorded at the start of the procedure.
3:53
